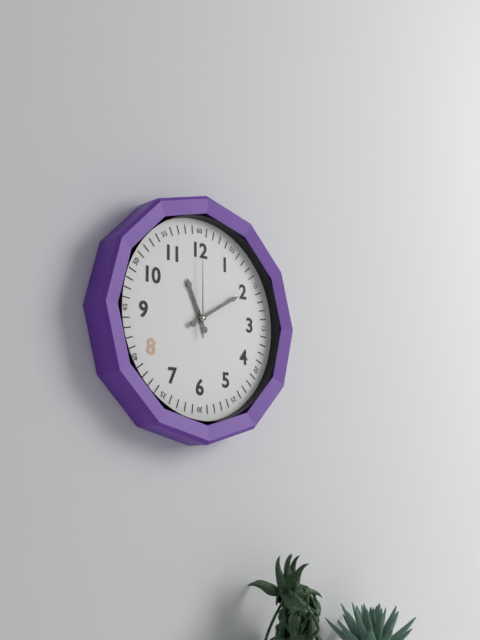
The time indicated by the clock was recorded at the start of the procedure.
11:10:00
